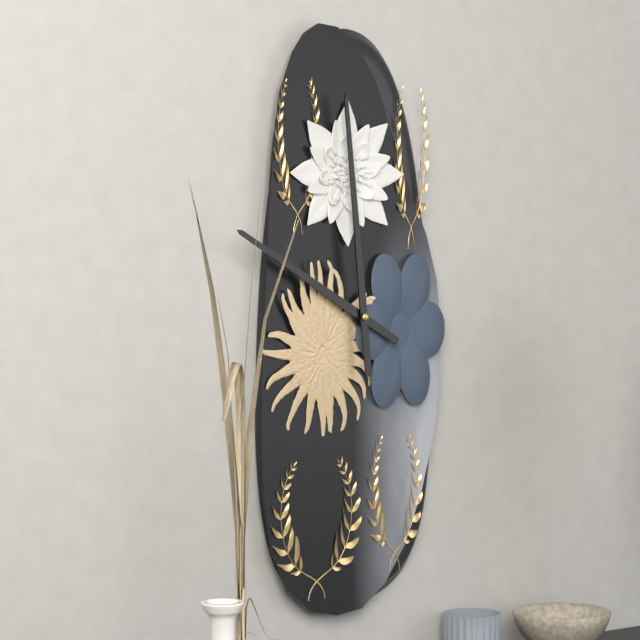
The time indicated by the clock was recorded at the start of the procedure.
9:59
